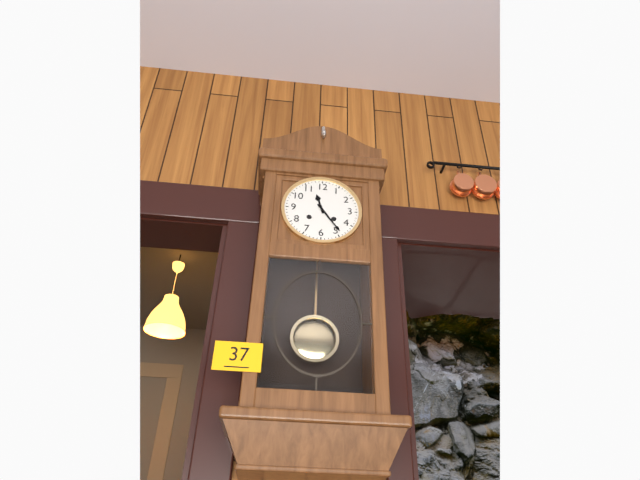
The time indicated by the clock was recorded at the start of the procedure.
11:24
